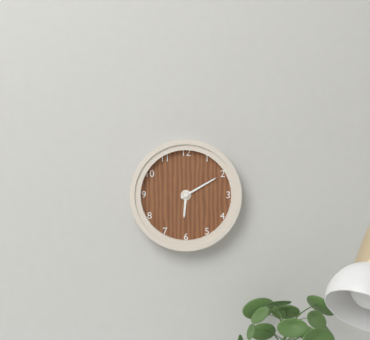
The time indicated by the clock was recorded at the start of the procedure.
6:10
